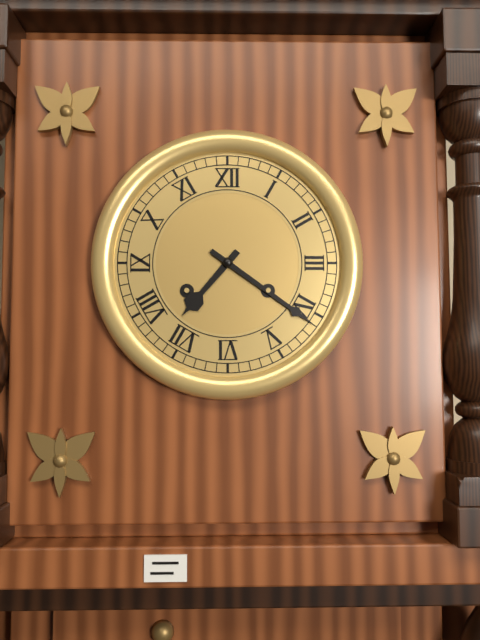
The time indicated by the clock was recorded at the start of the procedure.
7:21
